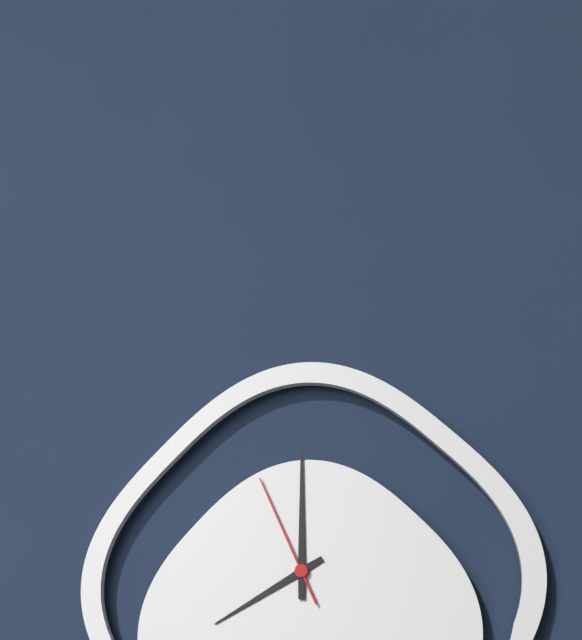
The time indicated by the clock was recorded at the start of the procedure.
8:00:56
